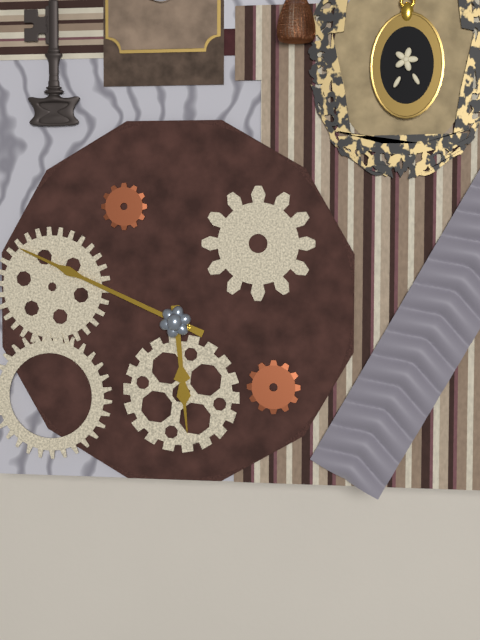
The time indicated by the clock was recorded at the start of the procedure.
5:49
